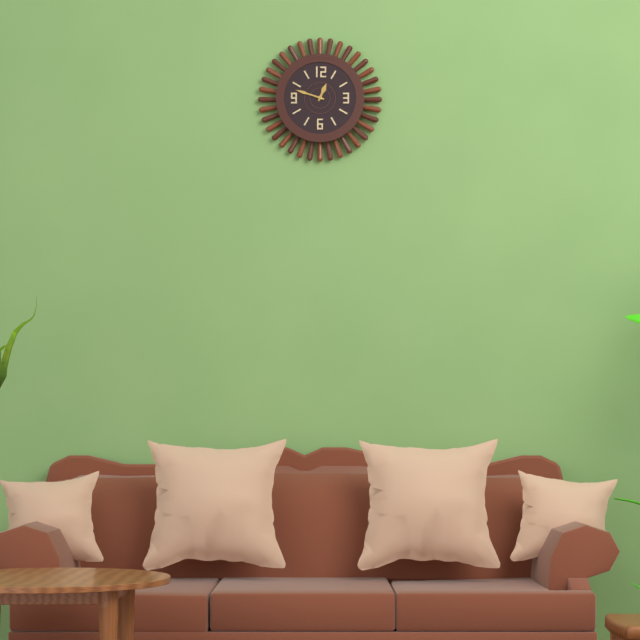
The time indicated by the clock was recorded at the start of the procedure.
12:48
